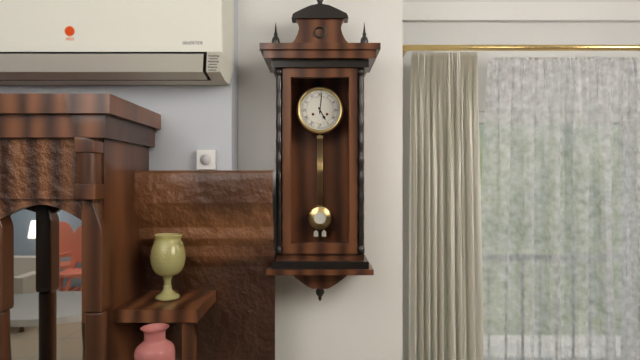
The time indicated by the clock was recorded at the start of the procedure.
5:01
